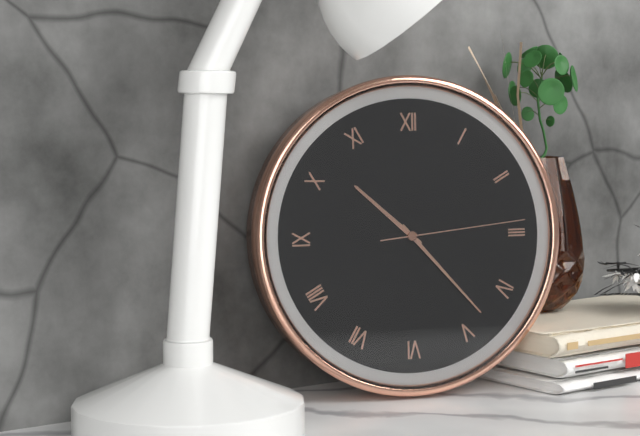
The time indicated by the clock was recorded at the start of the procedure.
10:23:14
